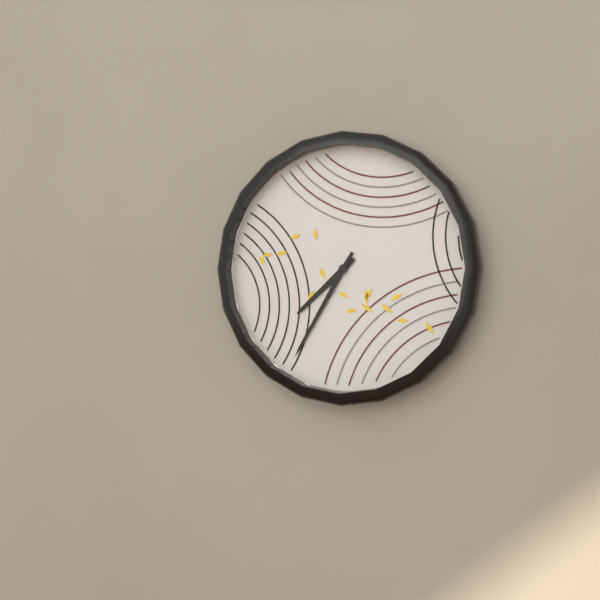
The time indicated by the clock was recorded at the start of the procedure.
7:35
